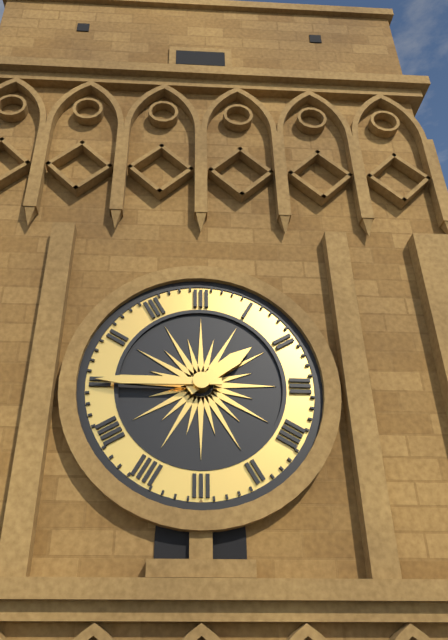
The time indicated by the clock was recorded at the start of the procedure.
1:45
